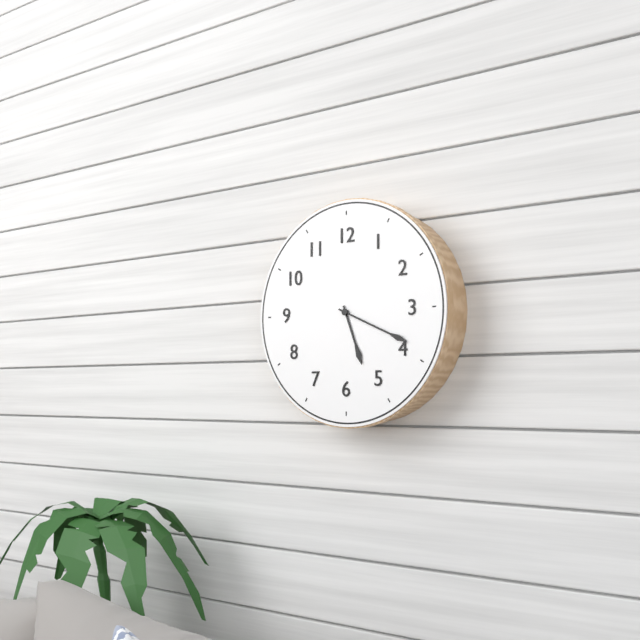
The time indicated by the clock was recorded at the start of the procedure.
5:19
